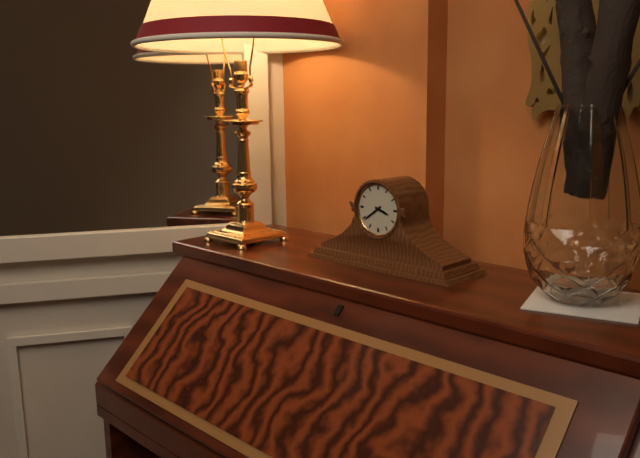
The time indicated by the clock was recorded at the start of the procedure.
3:39
